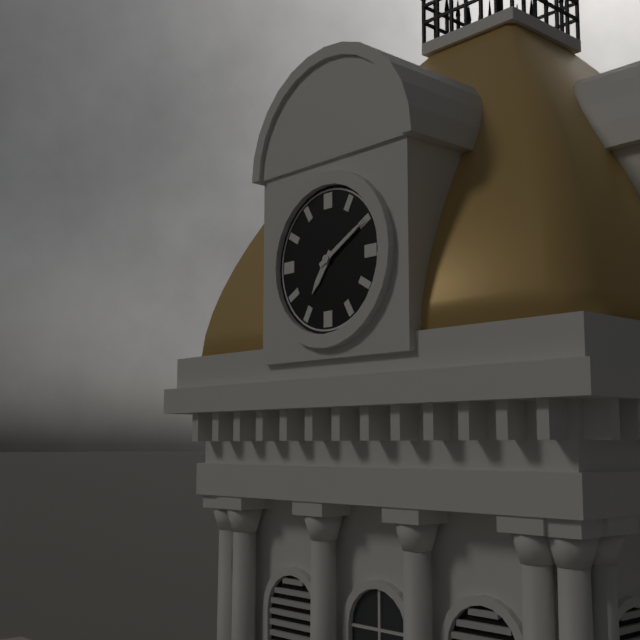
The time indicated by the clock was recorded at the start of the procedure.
7:10
